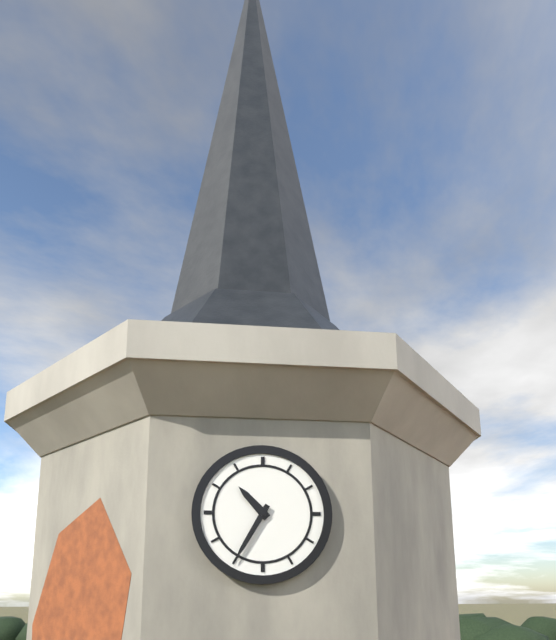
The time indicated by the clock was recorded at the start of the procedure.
10:35
